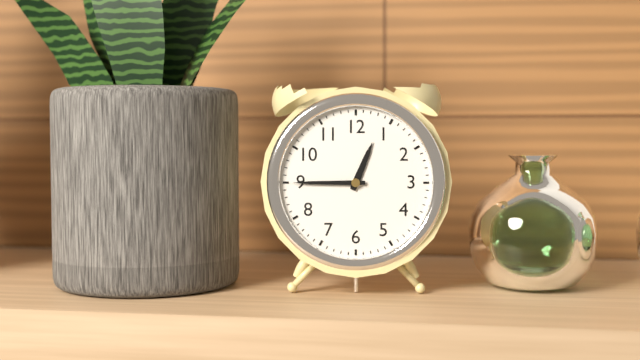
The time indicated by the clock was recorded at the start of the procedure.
12:45
